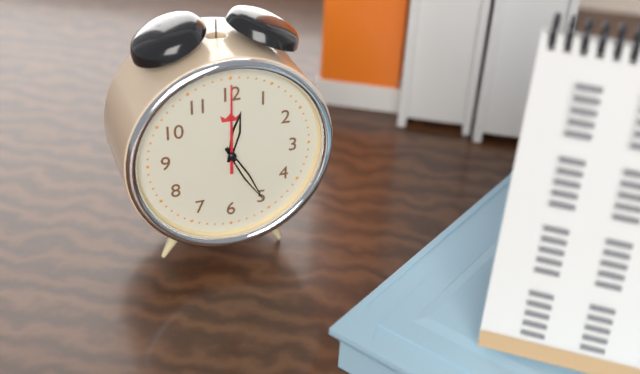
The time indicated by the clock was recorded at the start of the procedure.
12:25:00
